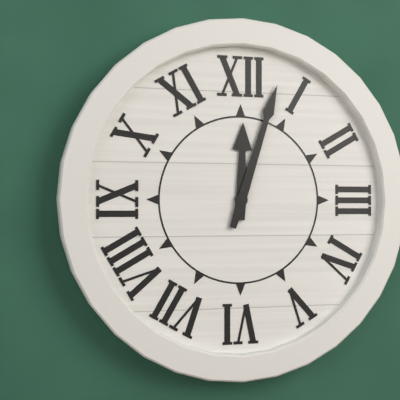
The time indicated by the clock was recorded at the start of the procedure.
12:03
